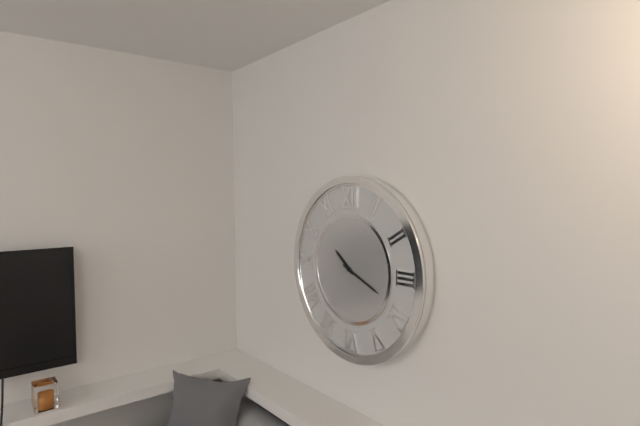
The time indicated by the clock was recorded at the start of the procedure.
10:19
